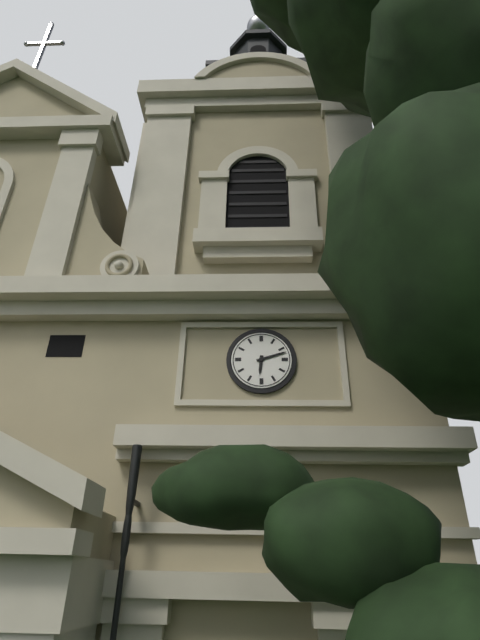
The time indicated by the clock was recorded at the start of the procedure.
6:12
